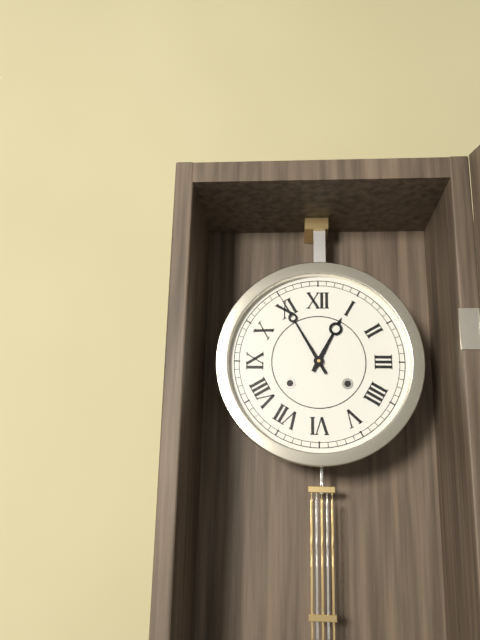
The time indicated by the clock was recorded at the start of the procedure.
12:55
